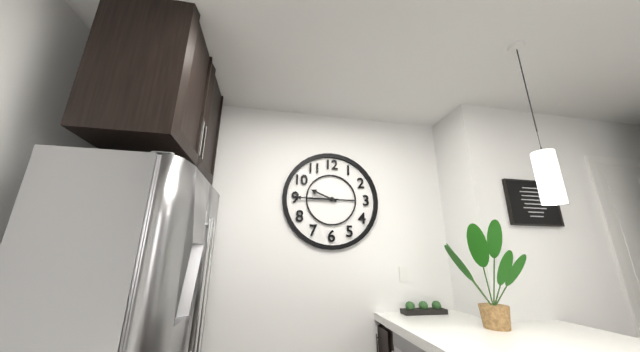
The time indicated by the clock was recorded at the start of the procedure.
9:45
